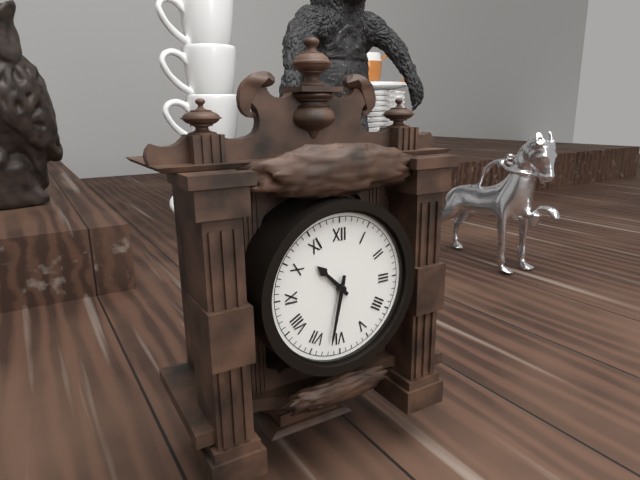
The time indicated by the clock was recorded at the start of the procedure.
10:32
